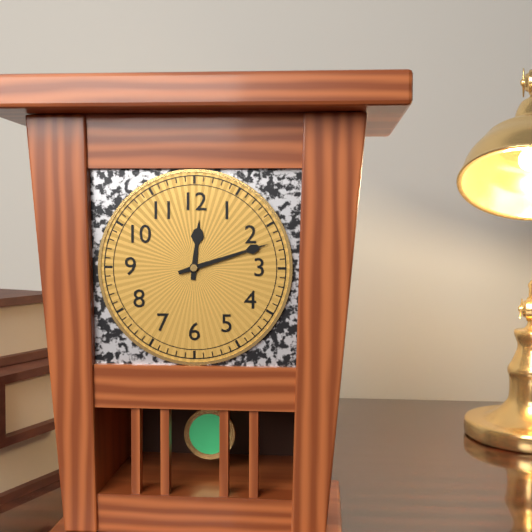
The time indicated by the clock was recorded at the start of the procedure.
12:12
